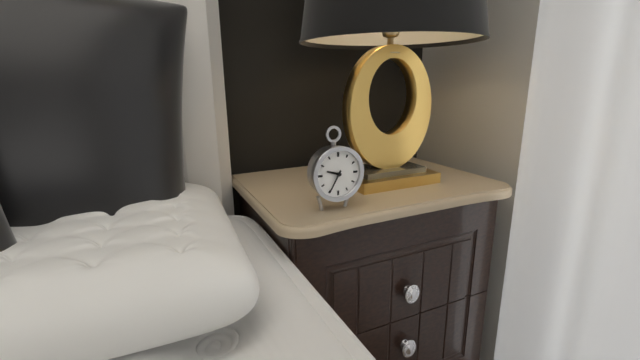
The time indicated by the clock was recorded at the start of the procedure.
9:35
